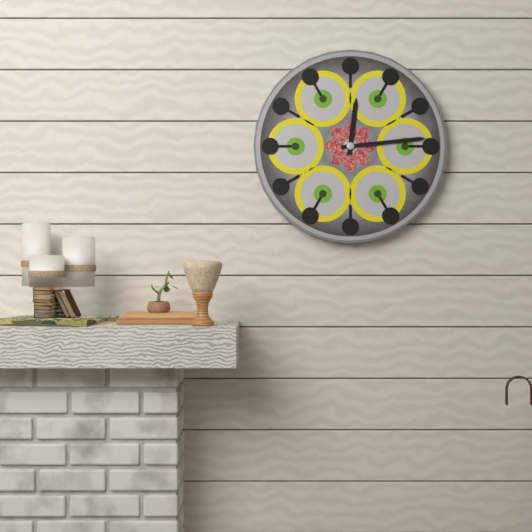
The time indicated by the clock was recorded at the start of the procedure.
12:14
